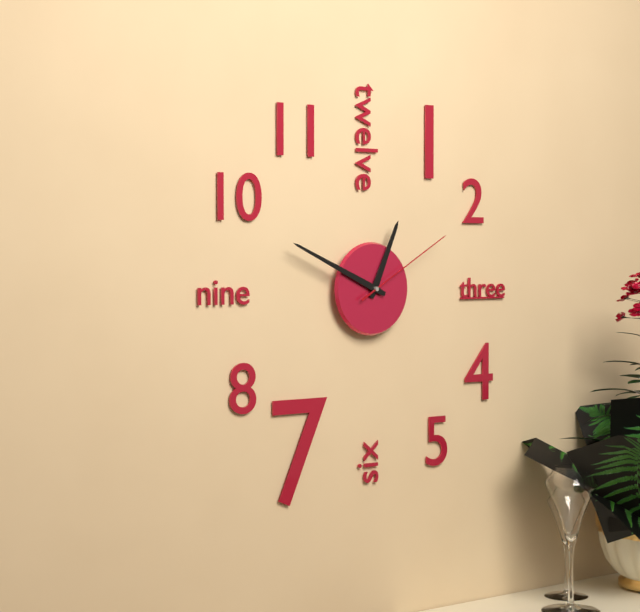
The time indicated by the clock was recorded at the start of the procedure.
12:49:10
